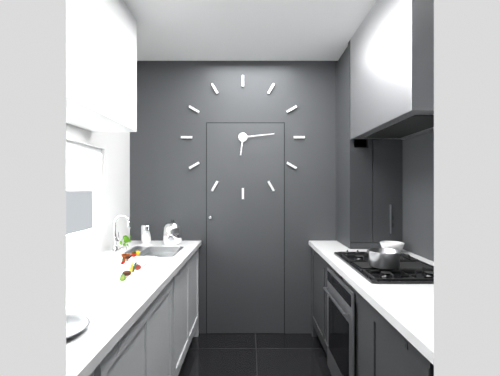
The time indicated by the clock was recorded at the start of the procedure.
6:14
